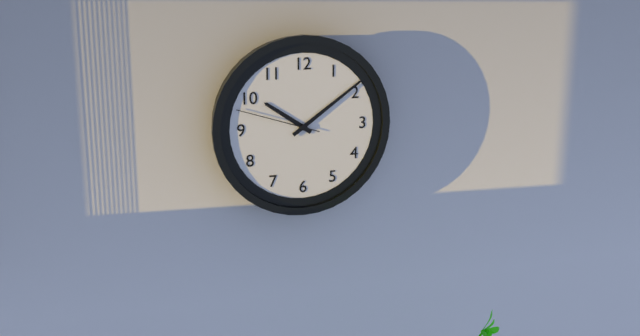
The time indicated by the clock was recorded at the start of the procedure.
10:09:48
